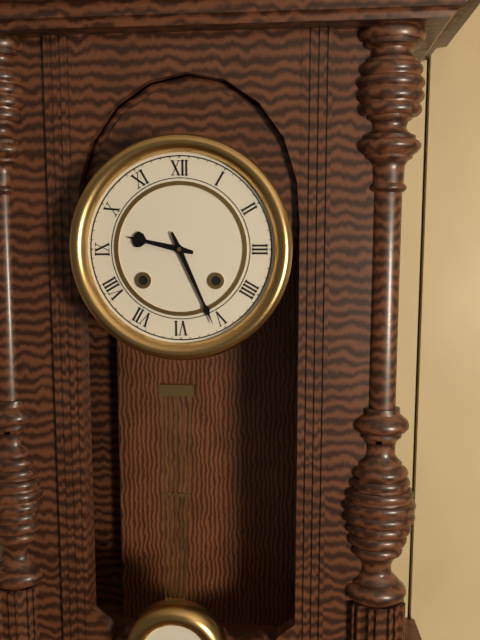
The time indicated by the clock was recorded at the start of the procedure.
9:26
